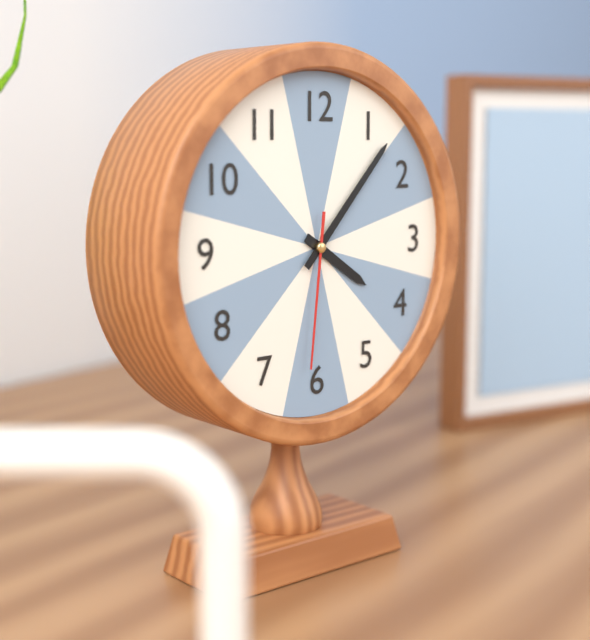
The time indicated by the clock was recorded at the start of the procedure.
4:07:31
